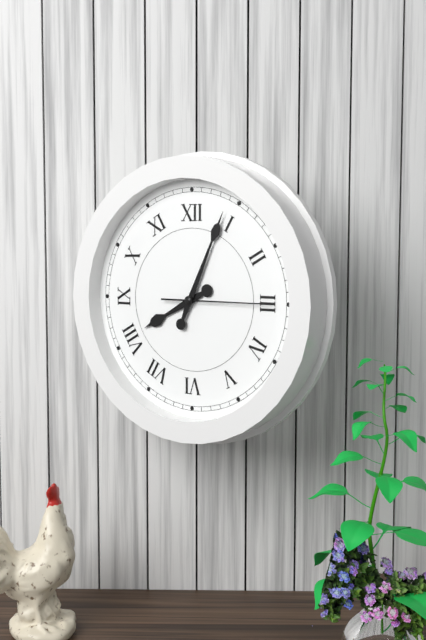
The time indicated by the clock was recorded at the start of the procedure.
8:04:15
